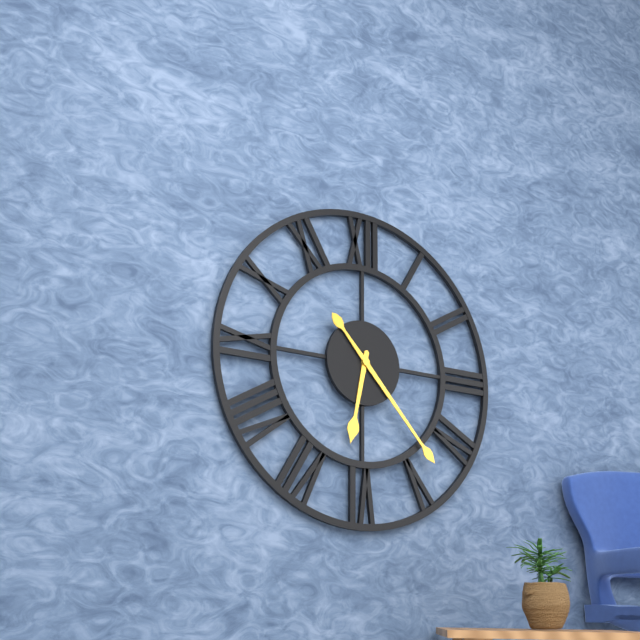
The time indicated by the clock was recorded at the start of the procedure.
6:23
